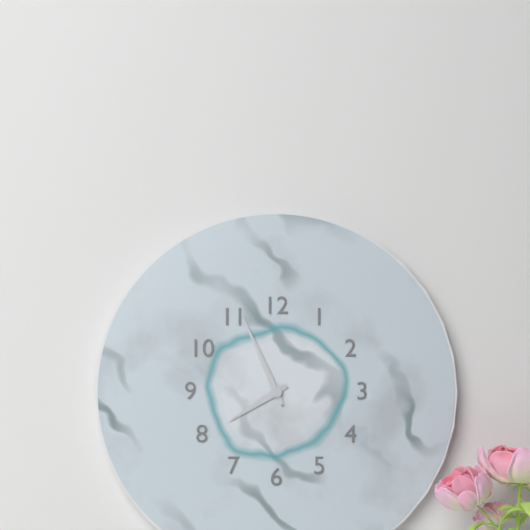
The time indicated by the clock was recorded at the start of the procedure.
7:56
